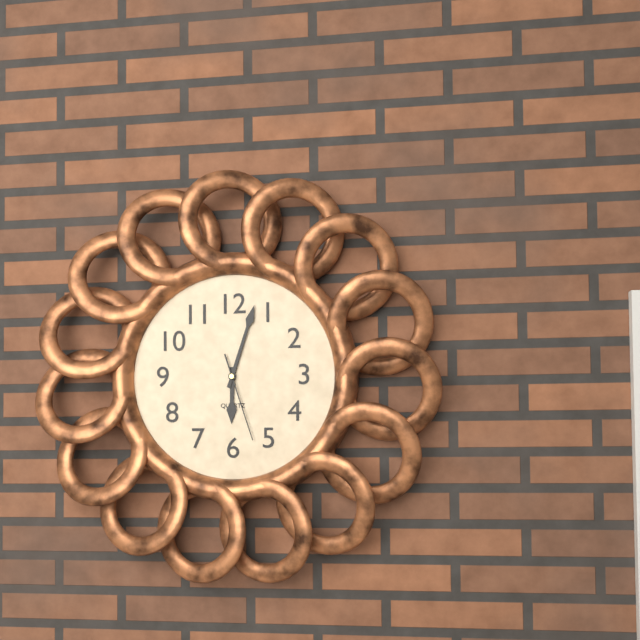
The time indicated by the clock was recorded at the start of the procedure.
6:03:27
